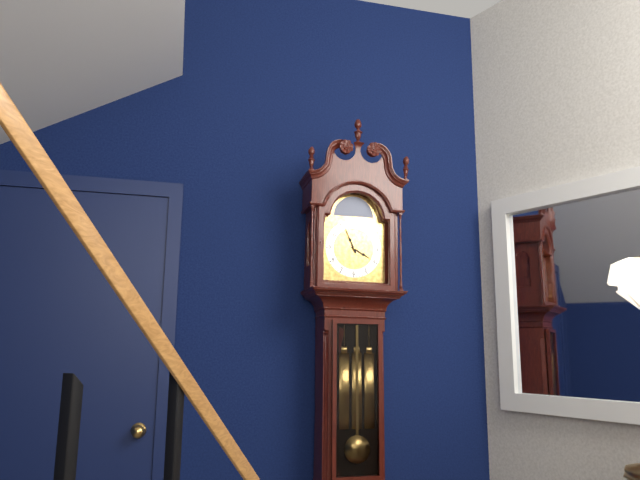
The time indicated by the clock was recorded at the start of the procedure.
3:56
